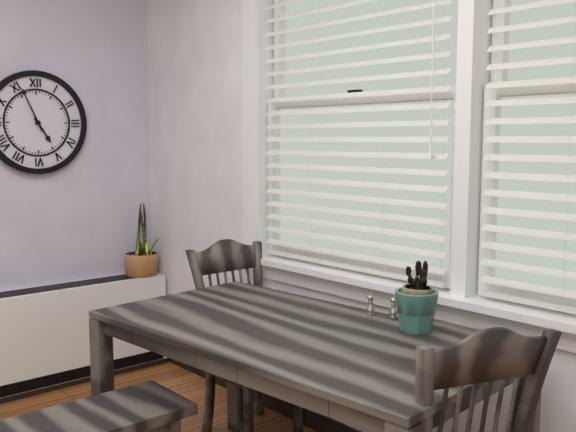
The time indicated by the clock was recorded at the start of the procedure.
4:56
